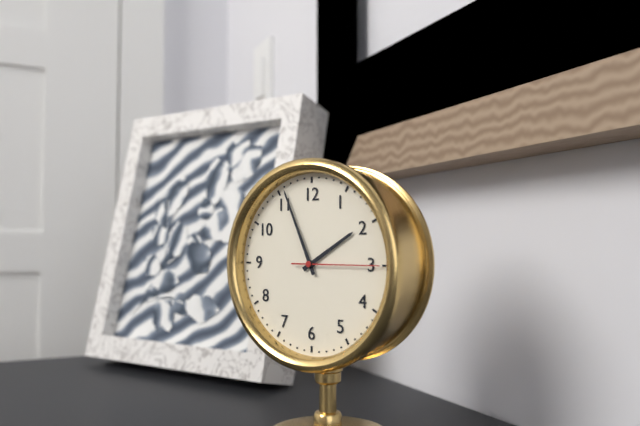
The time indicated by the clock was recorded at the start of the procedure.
1:56:15
